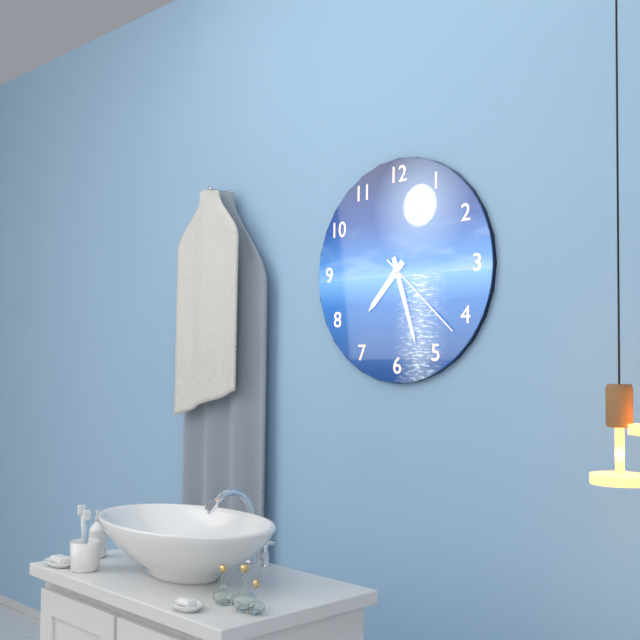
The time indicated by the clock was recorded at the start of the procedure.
7:27:22
